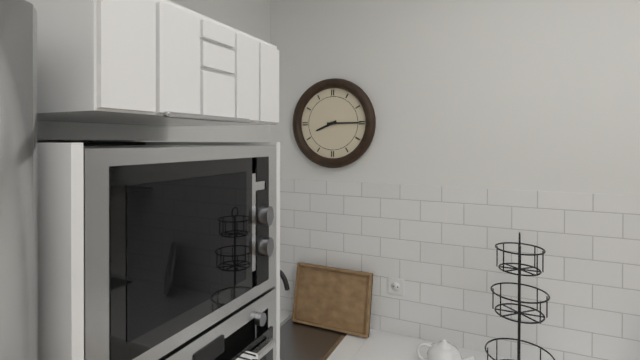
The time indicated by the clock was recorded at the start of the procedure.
8:15
